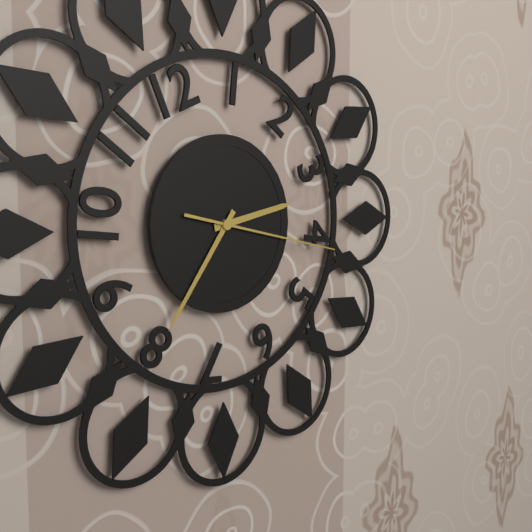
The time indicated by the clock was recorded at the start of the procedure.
2:36:17
